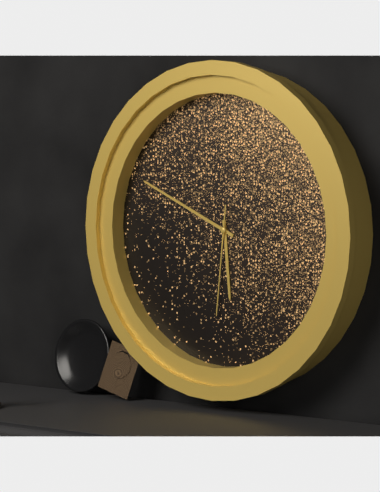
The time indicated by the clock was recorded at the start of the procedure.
5:49:31
